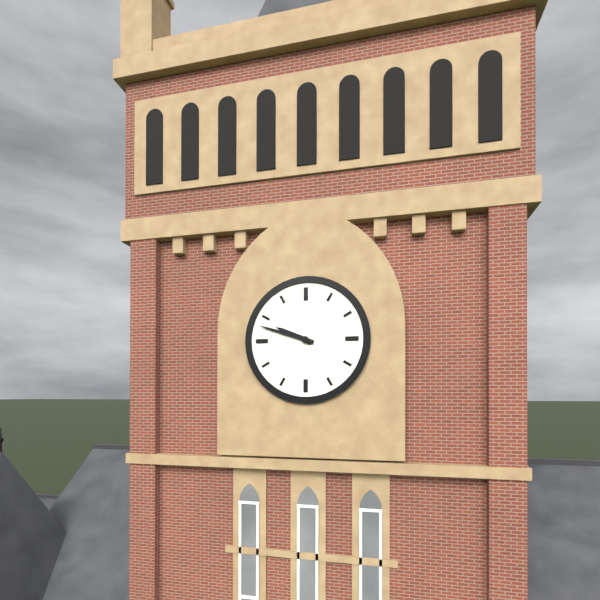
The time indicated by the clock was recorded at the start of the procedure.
9:48
